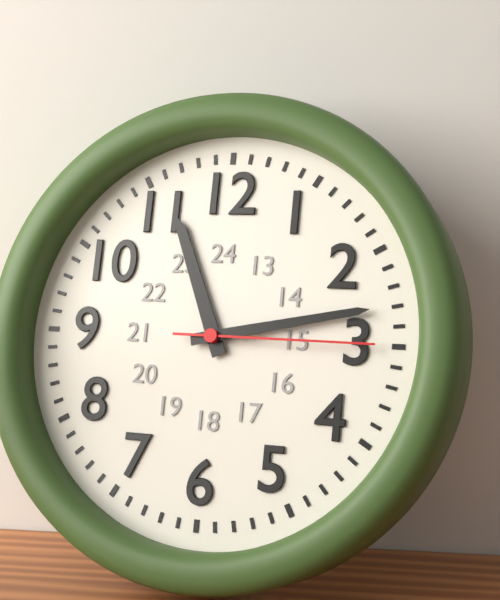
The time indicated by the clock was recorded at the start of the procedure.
11:13:15
